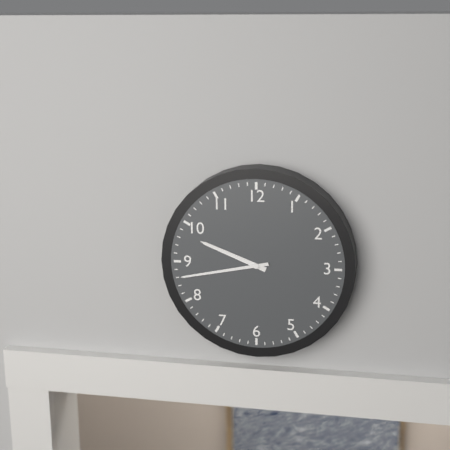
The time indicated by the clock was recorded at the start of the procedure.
9:43
